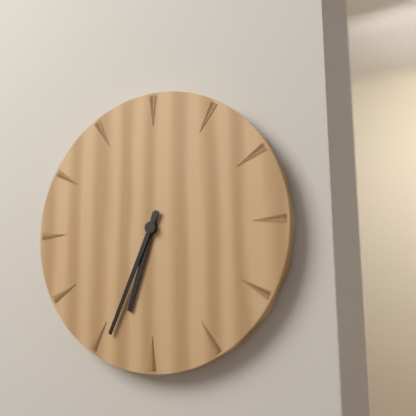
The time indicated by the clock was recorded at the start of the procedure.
6:34
